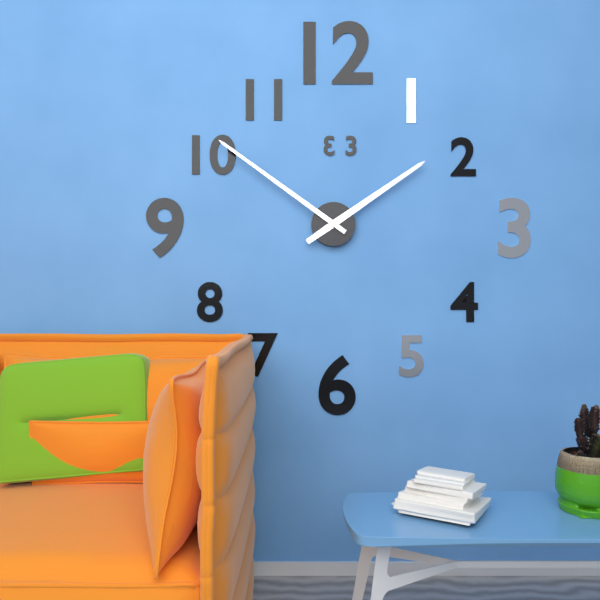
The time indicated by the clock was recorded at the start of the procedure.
1:51
